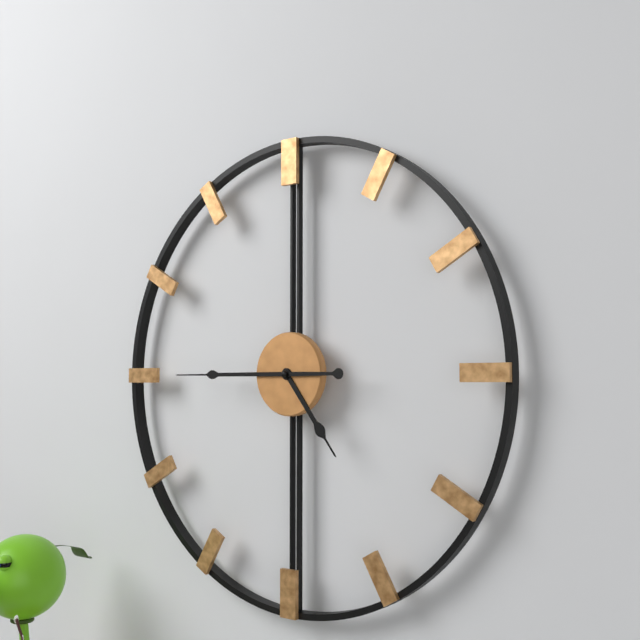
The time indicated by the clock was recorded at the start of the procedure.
4:45
